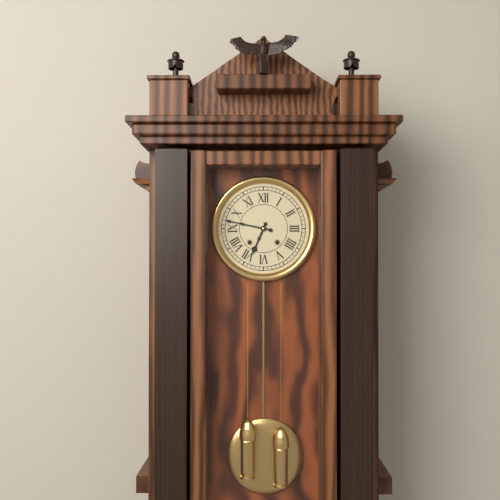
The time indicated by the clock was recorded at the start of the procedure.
6:47
